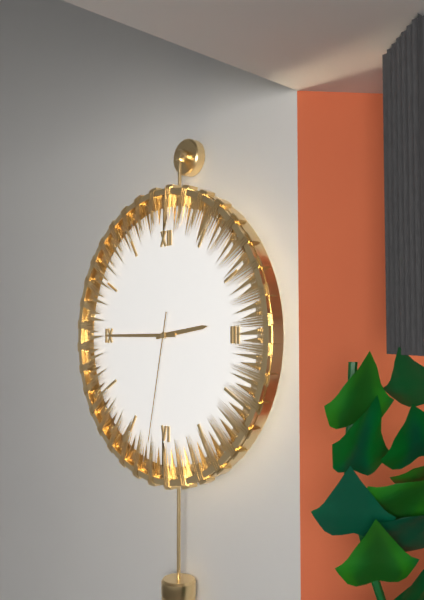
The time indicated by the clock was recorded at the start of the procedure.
2:45:32
